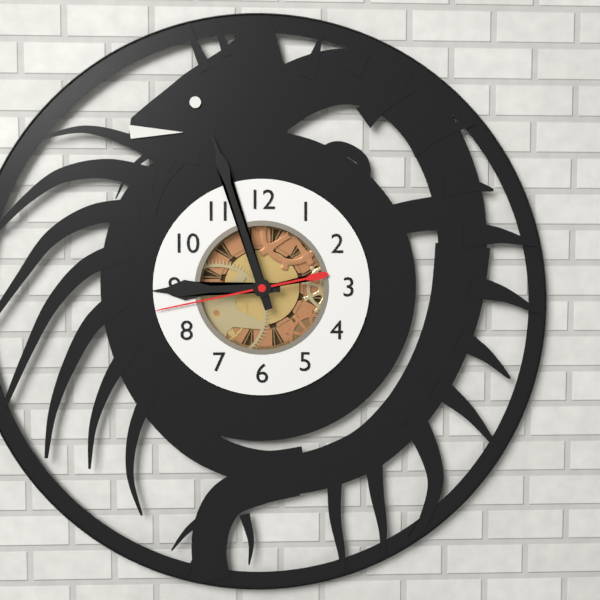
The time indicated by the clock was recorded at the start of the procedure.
8:57:43
